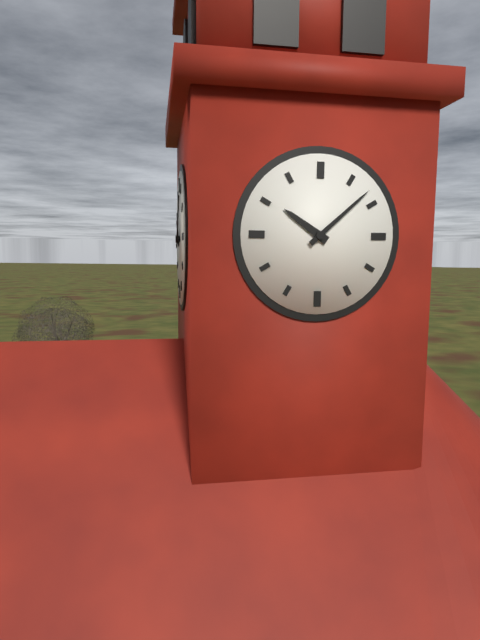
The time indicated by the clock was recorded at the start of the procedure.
10:08
